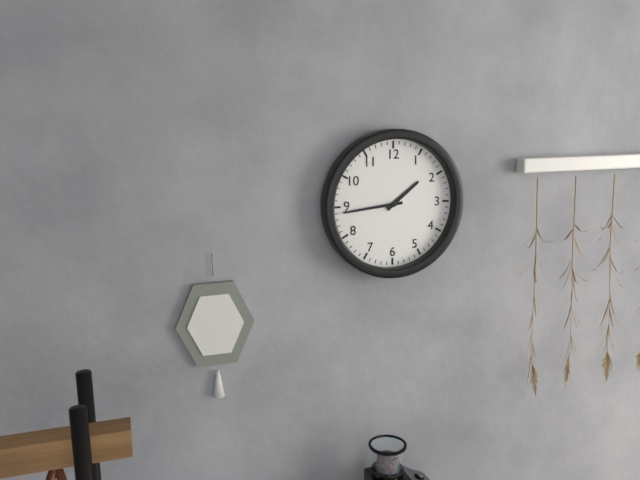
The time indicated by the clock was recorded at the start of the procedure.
1:44
